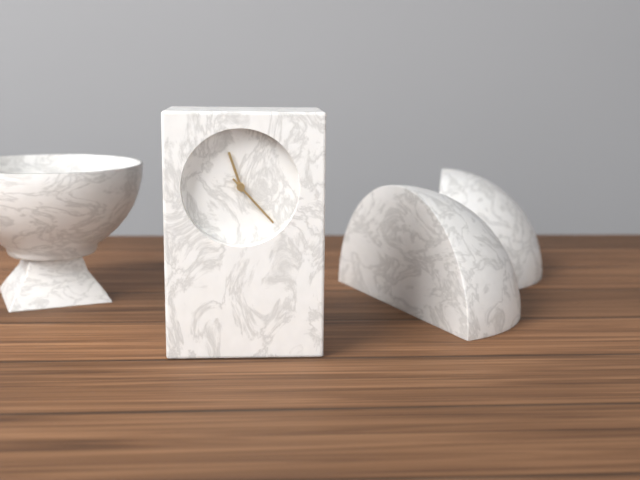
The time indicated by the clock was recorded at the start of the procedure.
11:23
